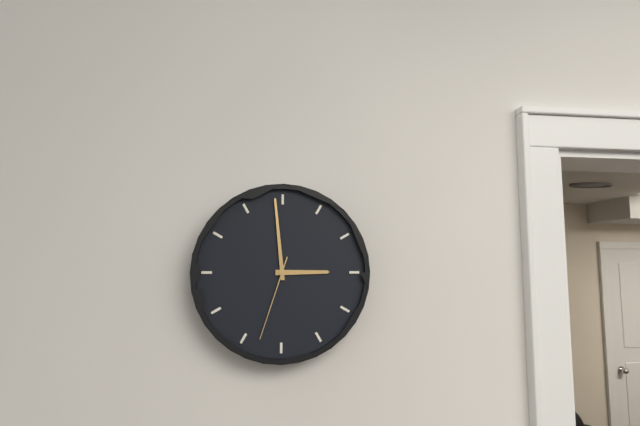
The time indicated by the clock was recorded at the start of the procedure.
2:59:33
